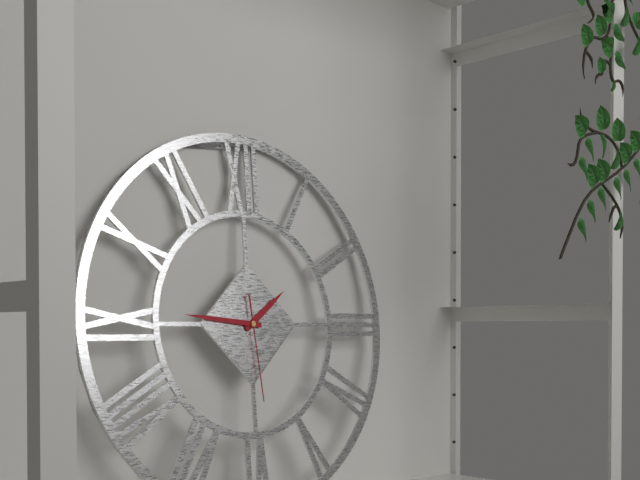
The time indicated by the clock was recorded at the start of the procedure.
1:46:29
